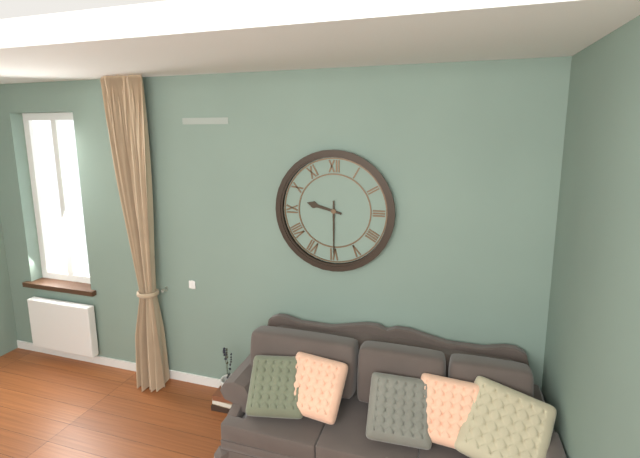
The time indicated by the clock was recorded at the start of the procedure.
9:30
